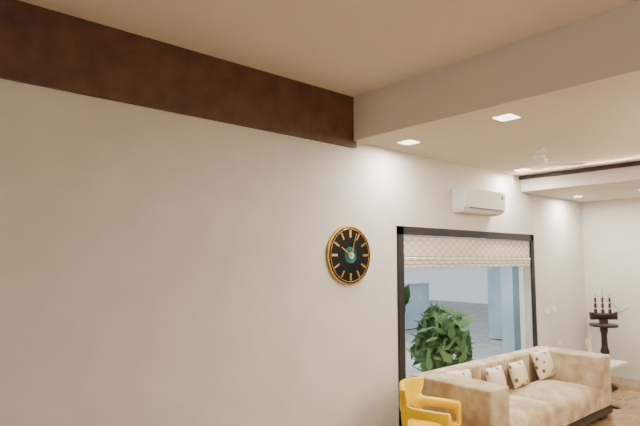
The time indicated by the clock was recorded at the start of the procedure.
10:03
